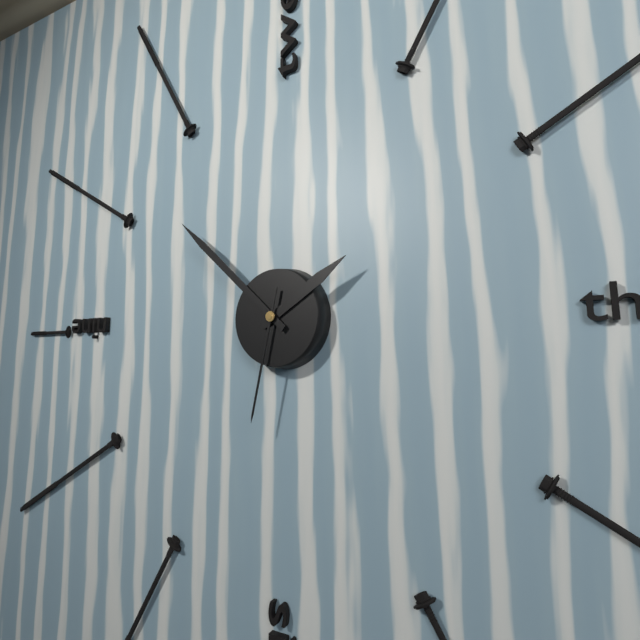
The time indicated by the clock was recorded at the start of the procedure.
1:52:32
